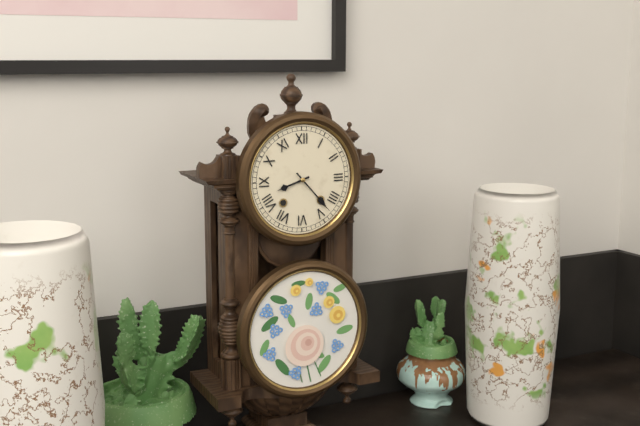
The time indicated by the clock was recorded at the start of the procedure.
8:23
